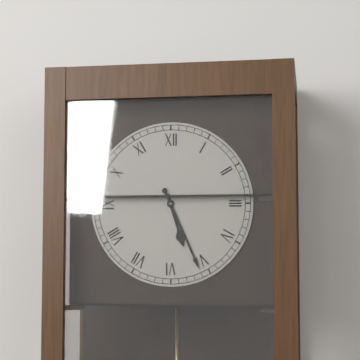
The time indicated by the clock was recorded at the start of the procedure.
5:26
